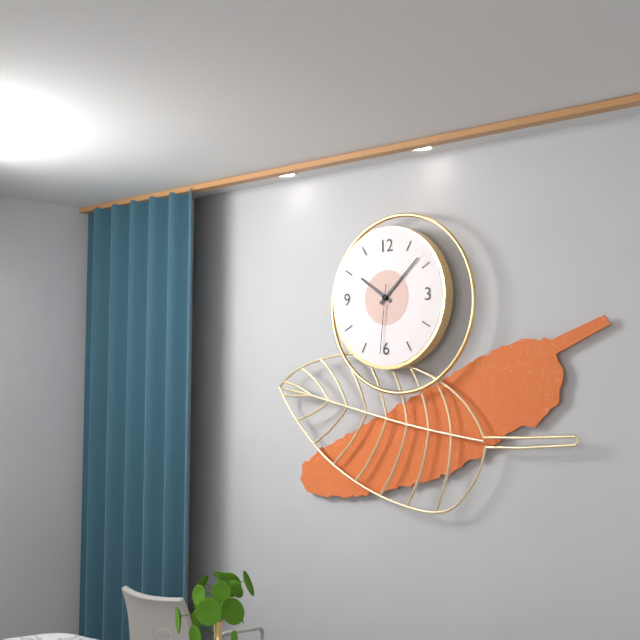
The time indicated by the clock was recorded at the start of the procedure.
10:08:31
